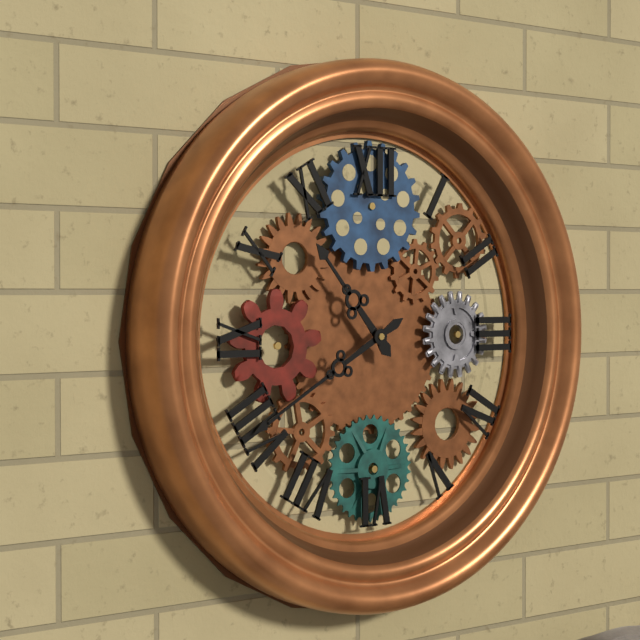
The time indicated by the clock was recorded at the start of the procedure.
10:40
